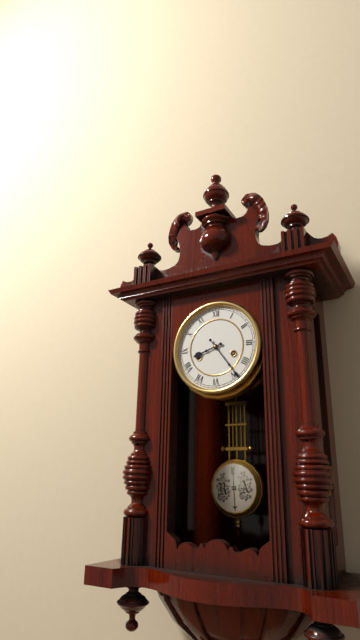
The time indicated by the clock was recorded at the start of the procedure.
8:24
